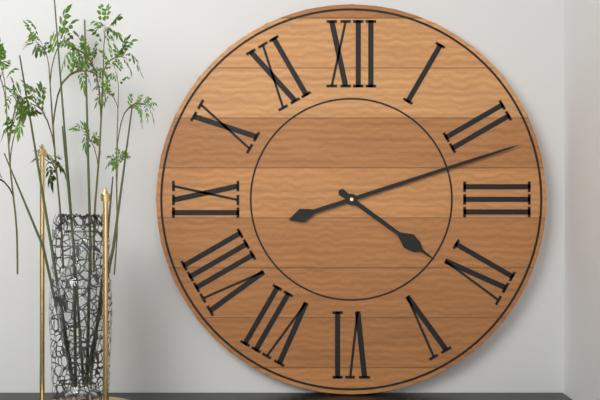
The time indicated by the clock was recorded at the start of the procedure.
4:12
